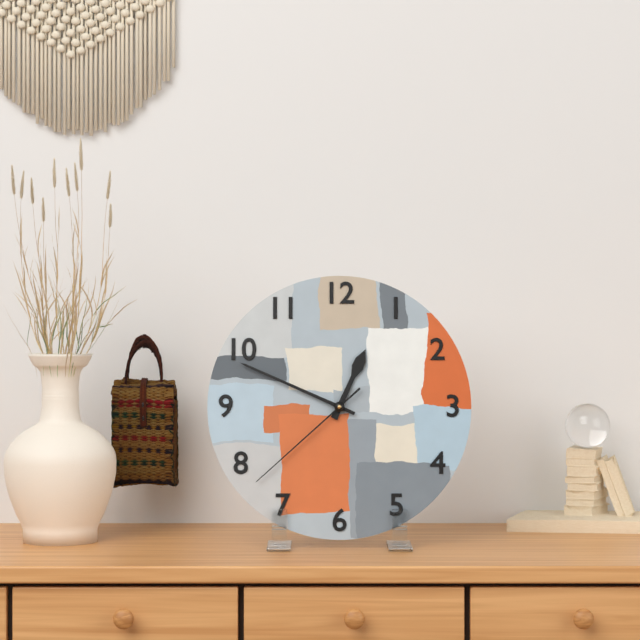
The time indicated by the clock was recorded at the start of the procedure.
12:49:38
